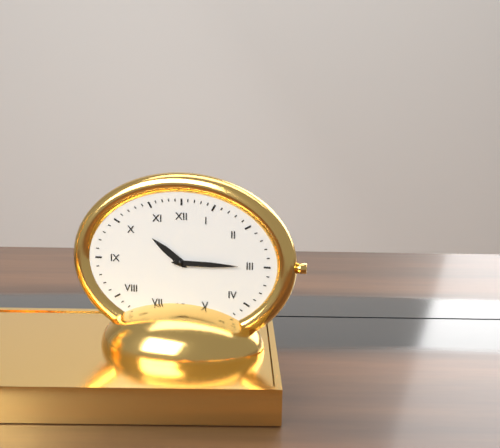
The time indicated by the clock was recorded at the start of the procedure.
10:15
